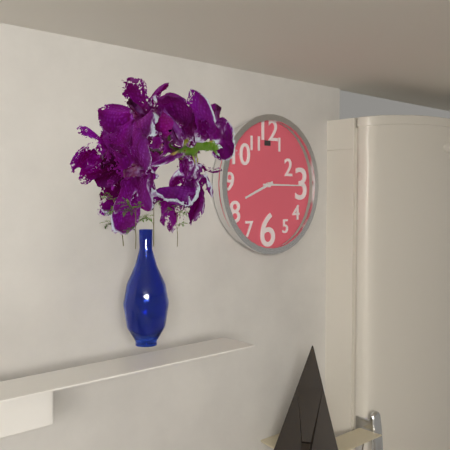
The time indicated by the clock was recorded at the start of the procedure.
8:15
